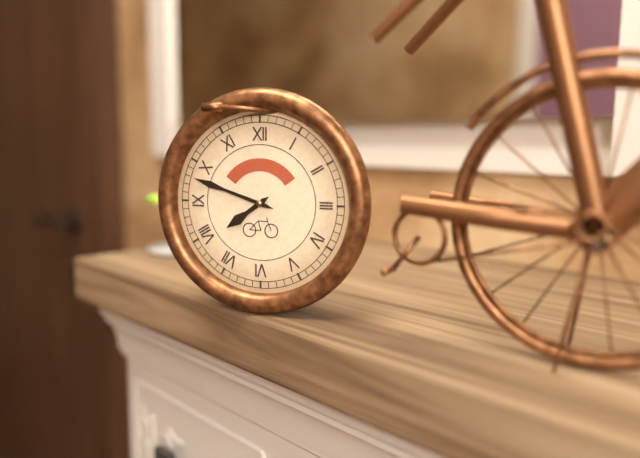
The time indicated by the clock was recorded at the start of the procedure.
7:48
